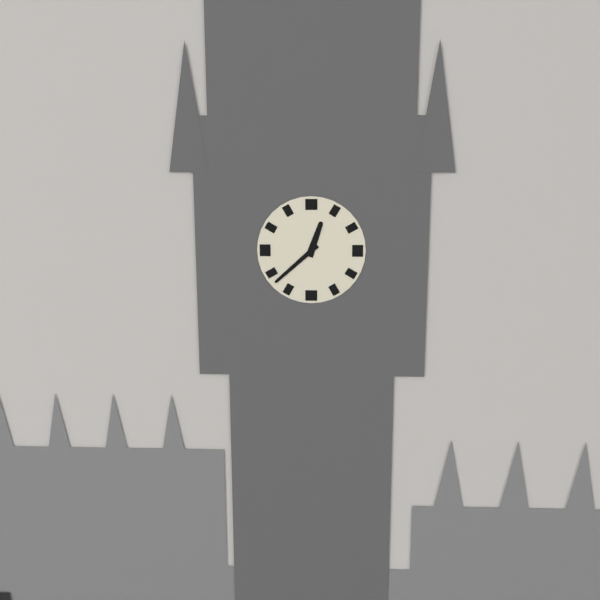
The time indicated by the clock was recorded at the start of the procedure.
12:38
